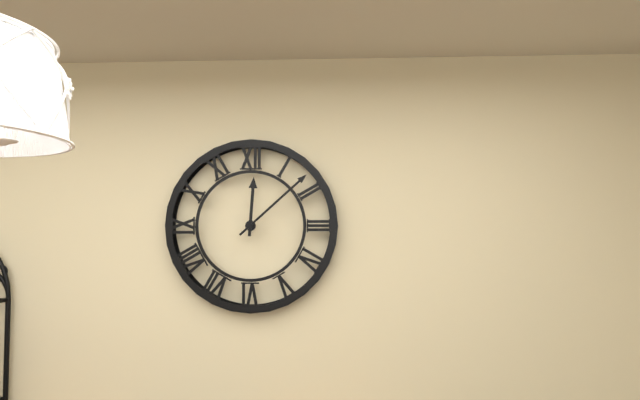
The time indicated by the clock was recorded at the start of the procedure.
12:08
